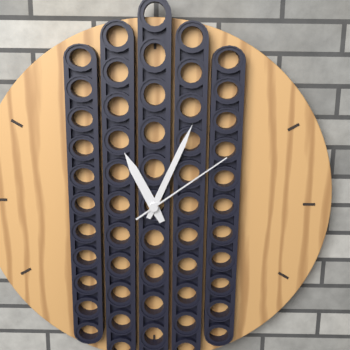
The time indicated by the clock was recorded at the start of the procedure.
11:04:09
